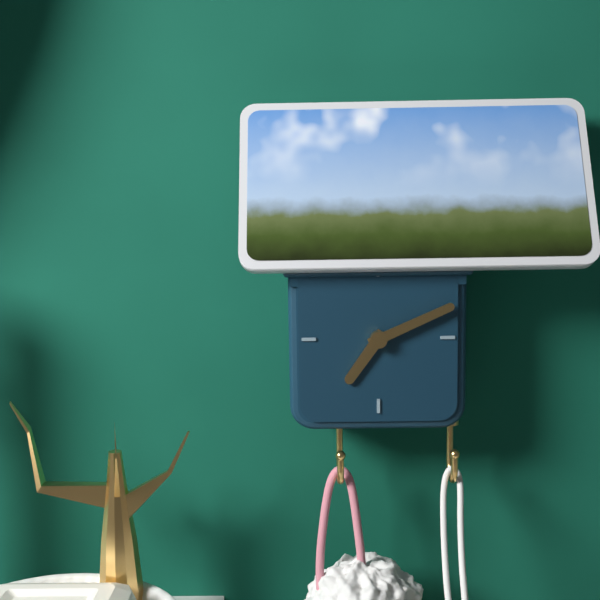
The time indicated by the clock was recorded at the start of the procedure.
7:11
